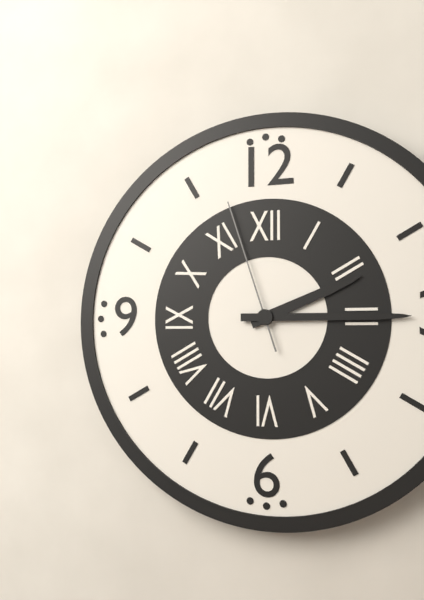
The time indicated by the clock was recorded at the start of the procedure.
2:15:57
